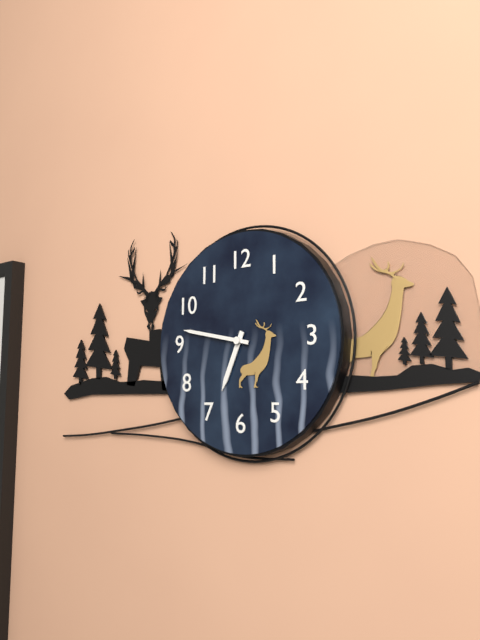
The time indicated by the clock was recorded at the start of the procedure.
6:47
